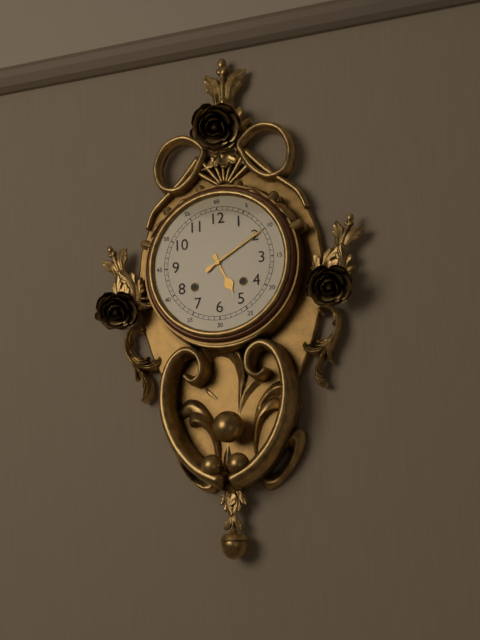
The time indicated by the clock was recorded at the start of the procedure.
5:10
